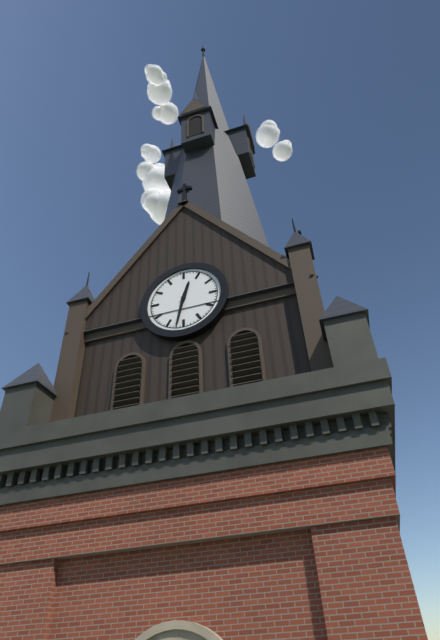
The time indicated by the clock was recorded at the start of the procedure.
12:32
